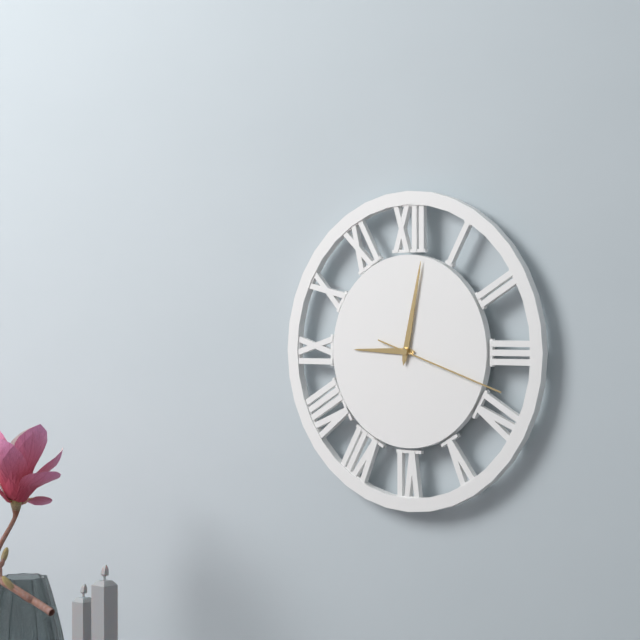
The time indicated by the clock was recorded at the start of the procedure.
9:02:18
